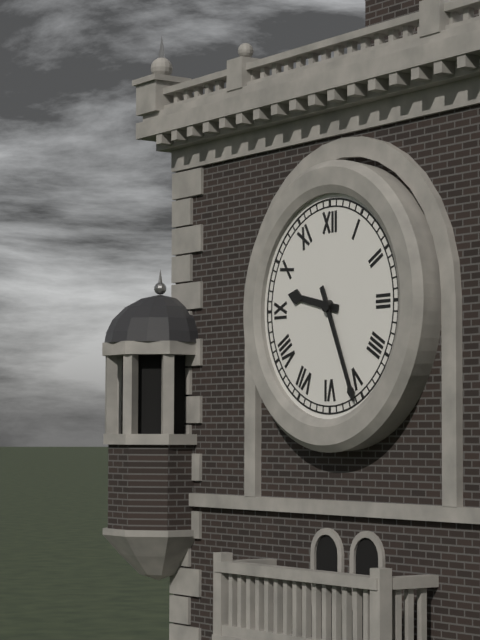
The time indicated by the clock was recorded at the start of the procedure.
9:26
